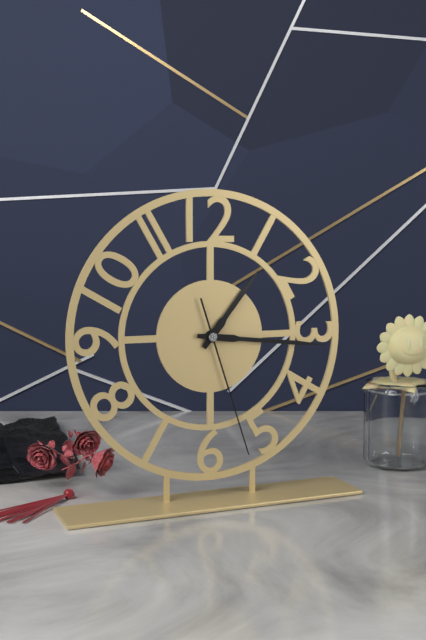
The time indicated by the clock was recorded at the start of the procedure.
1:16:27
